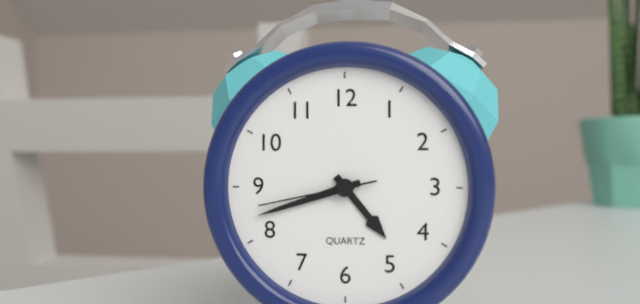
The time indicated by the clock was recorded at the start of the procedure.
4:42:43
